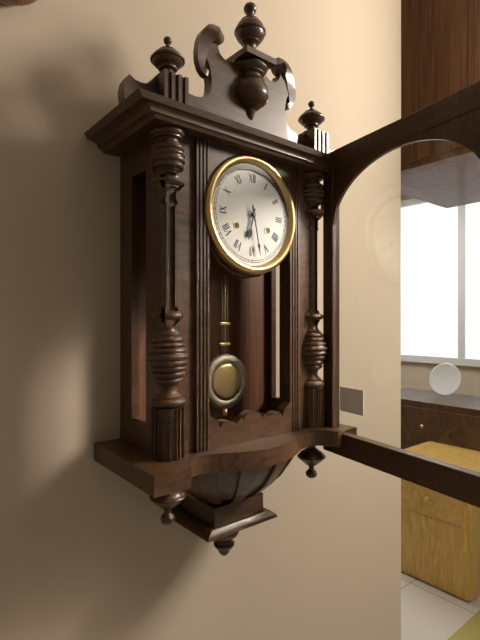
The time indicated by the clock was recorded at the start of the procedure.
6:28
